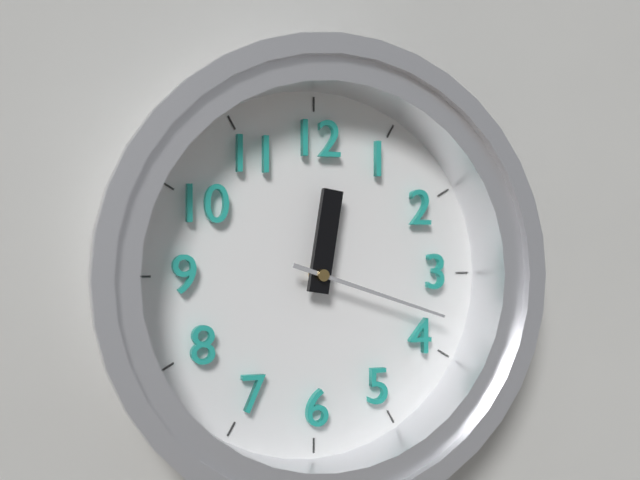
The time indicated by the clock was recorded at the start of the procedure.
12:18
